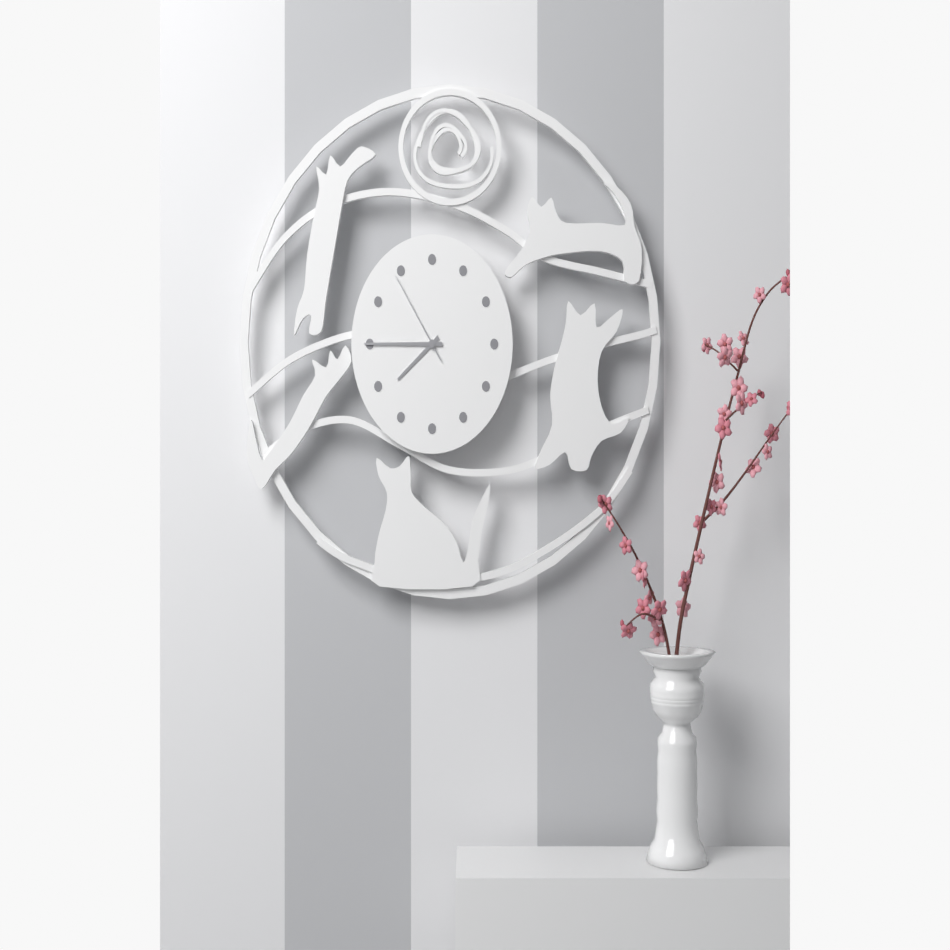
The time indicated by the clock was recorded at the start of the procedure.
7:45:54
